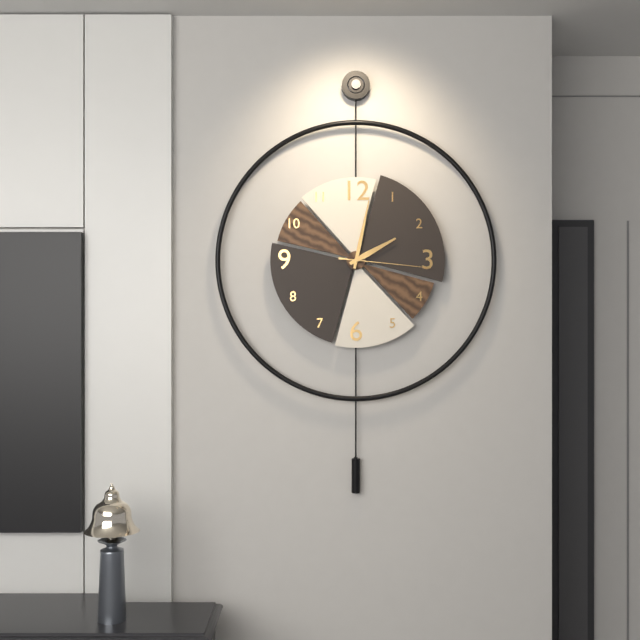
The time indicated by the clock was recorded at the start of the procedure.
2:02:16
